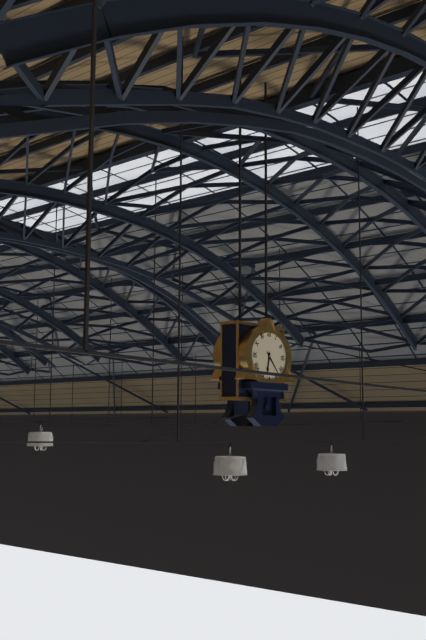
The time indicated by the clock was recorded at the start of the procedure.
6:23
